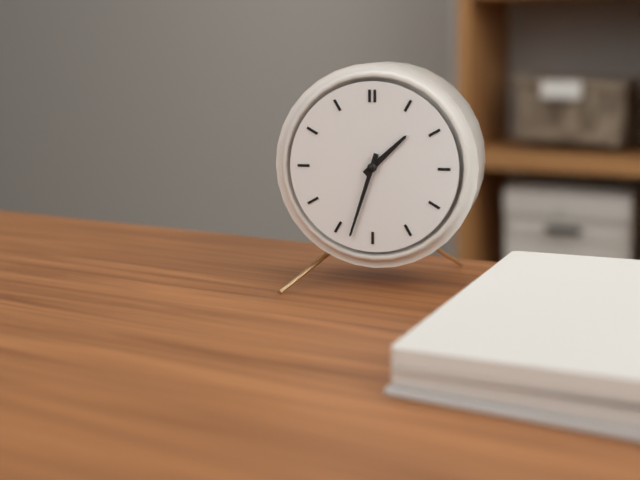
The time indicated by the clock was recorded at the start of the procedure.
1:33
